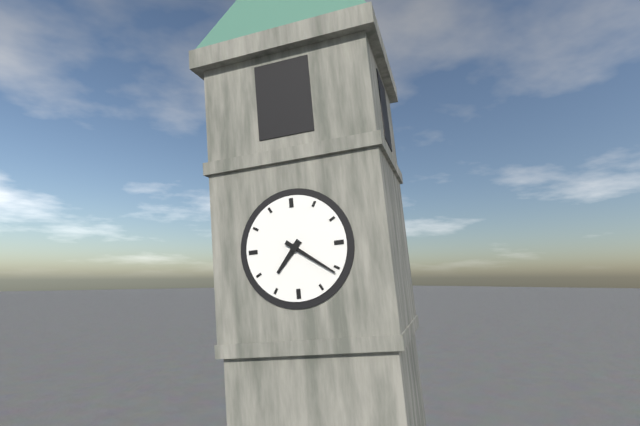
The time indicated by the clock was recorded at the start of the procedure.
7:21
